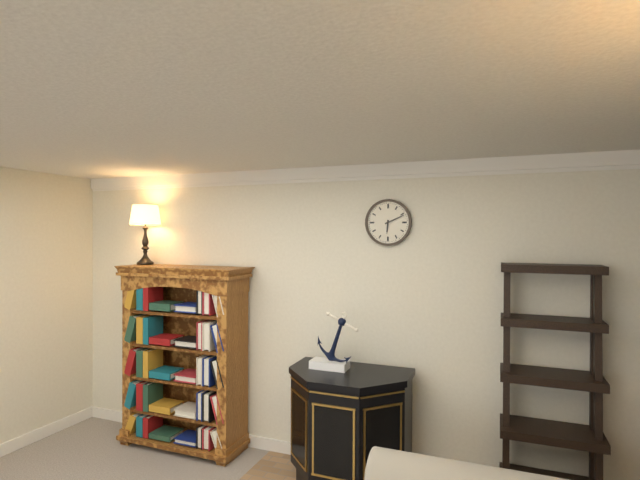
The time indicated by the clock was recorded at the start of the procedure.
6:11
